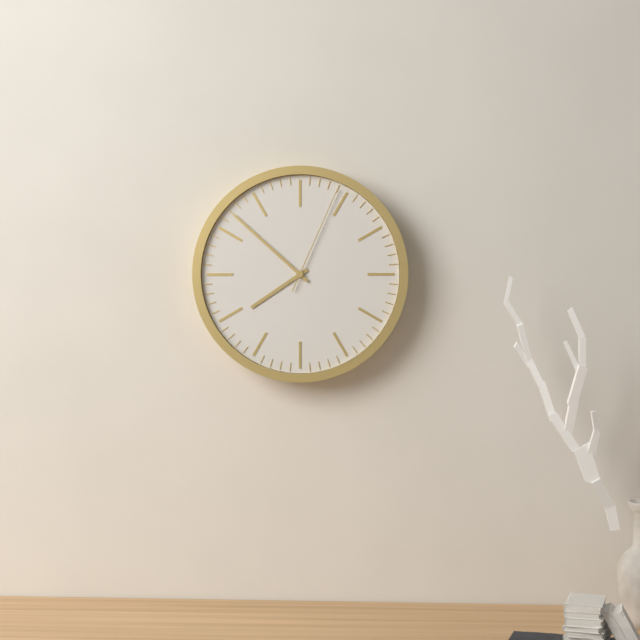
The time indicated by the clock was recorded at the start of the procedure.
7:52:04
